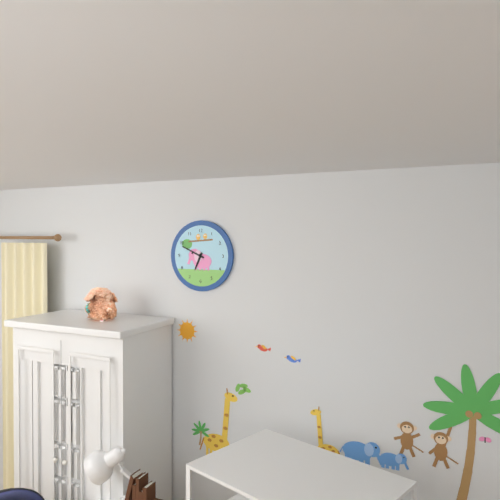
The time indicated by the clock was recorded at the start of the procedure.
6:49
